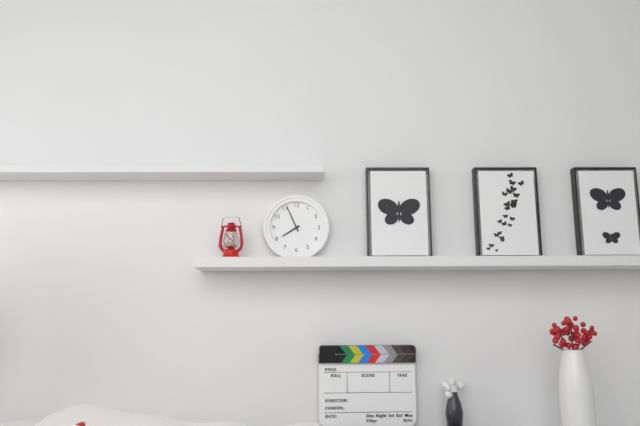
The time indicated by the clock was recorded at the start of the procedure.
7:56
